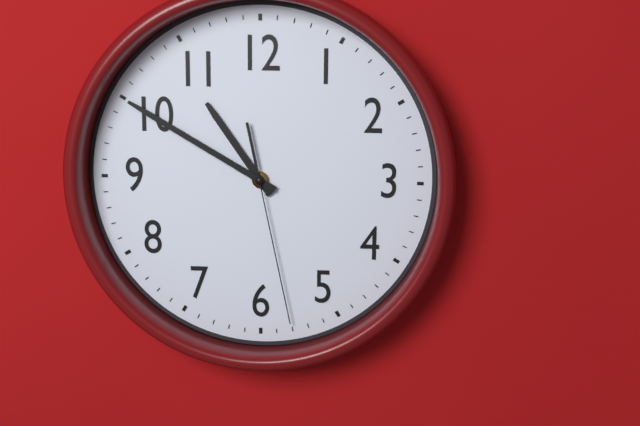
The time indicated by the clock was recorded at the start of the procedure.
10:50:28
